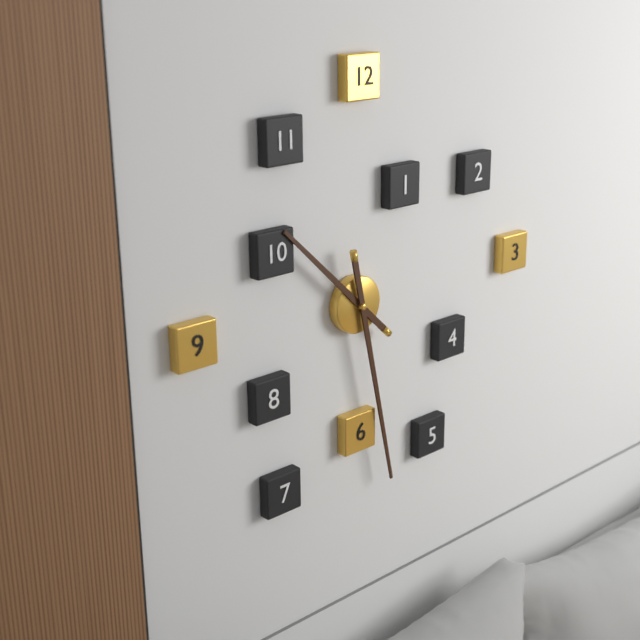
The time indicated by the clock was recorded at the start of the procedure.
10:28
